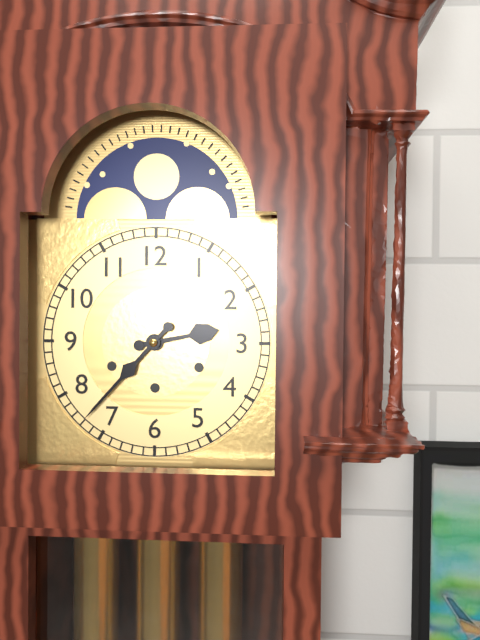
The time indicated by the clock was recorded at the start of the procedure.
2:37
